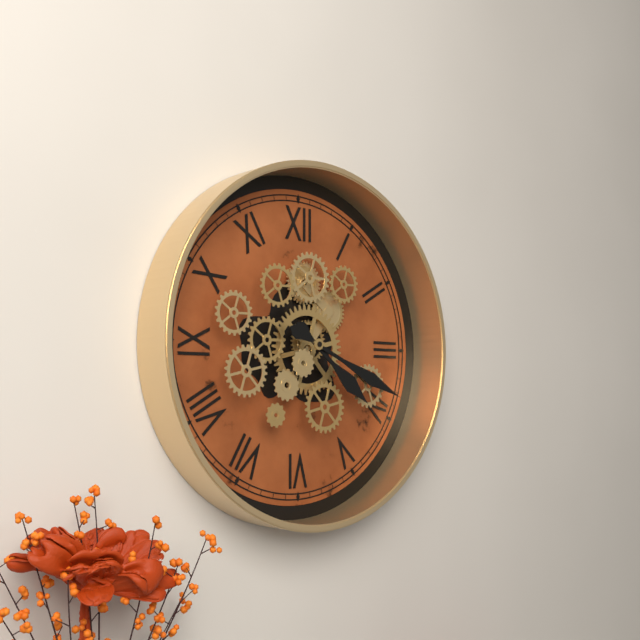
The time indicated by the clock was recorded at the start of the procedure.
4:19
